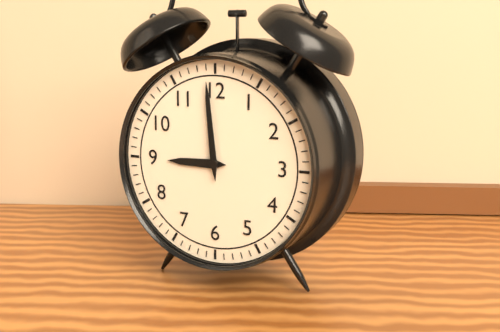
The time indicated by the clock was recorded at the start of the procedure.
8:59
